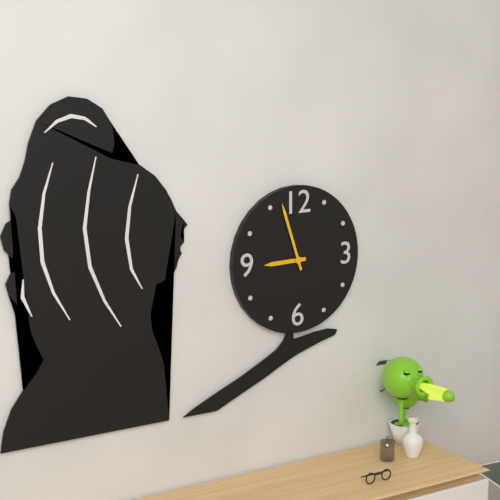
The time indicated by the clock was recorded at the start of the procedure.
8:57
